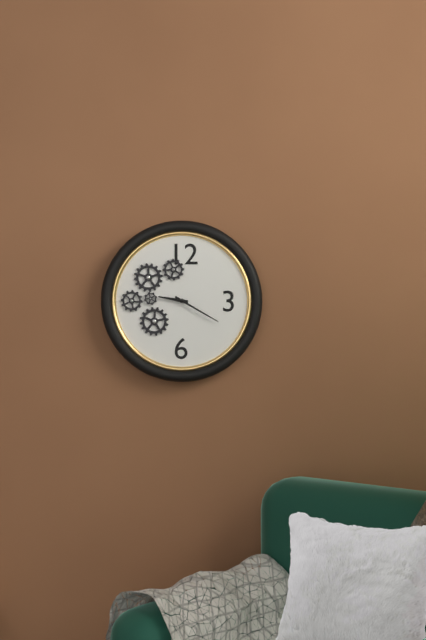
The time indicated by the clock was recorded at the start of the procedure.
9:20
